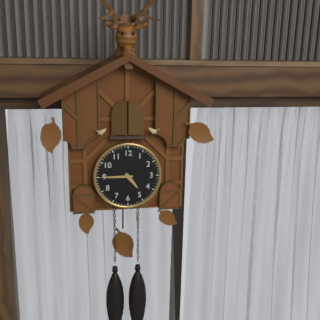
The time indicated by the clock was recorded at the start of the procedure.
4:45
